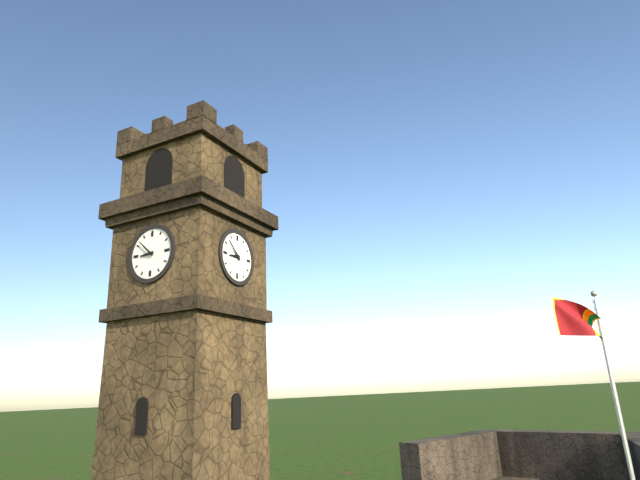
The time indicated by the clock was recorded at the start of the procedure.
8:52
